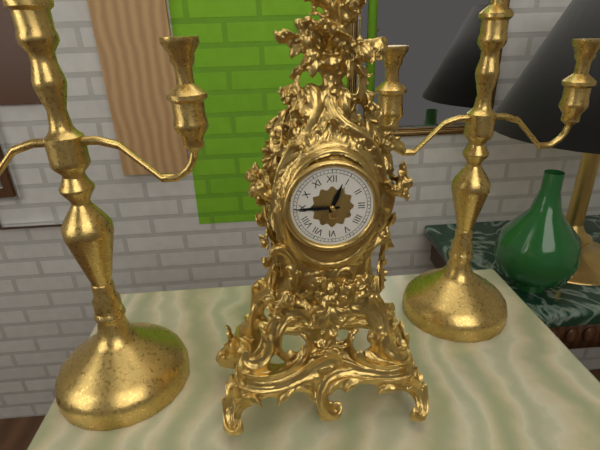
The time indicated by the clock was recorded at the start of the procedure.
12:45
